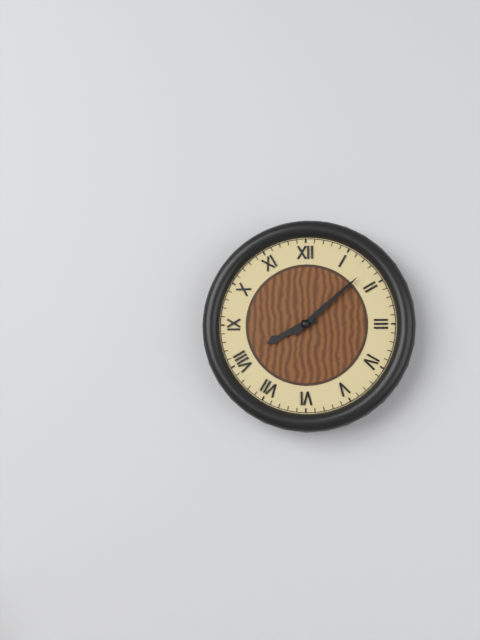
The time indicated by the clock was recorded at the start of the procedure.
8:08
